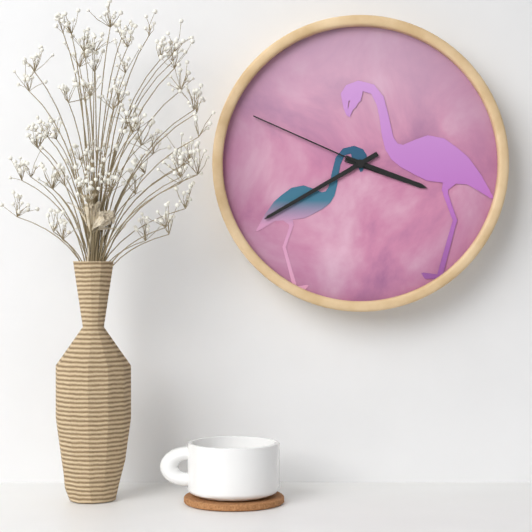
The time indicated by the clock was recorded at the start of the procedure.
3:40:49
